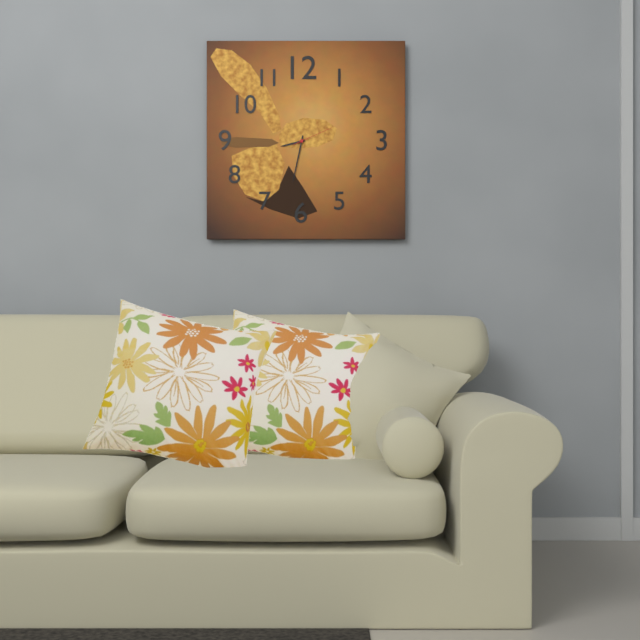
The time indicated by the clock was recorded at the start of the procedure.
8:32
